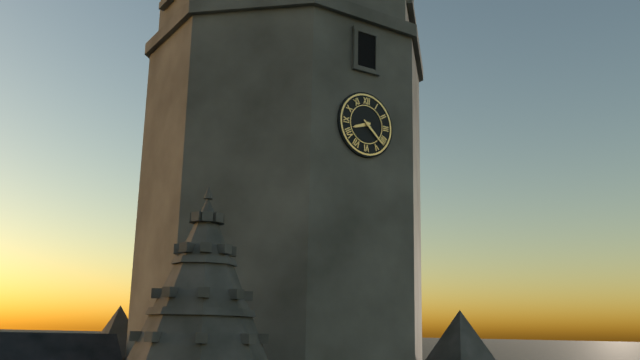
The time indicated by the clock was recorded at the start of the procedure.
8:22
